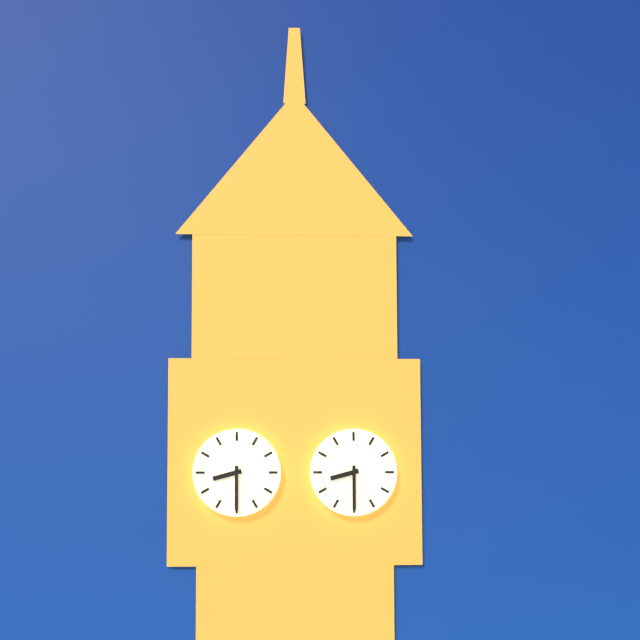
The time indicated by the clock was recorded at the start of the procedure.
8:30
